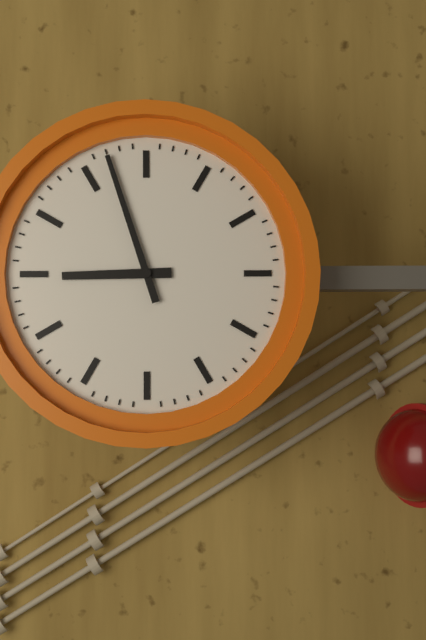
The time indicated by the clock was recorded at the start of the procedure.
8:57
